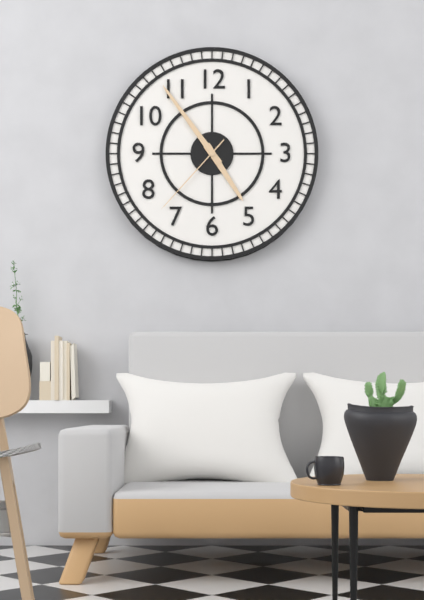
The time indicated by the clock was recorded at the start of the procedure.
4:54:37
